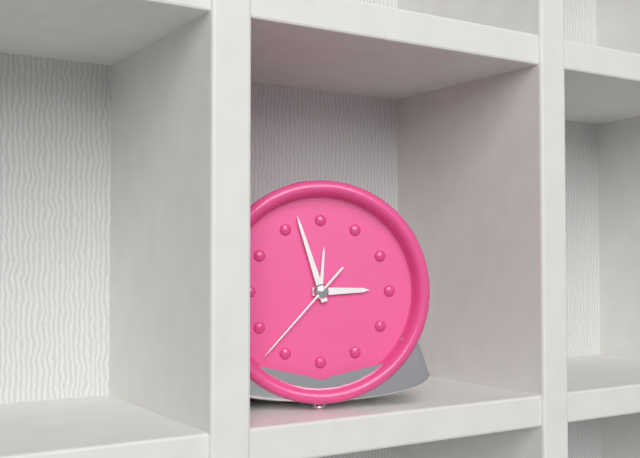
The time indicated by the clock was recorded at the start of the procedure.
2:57:37
